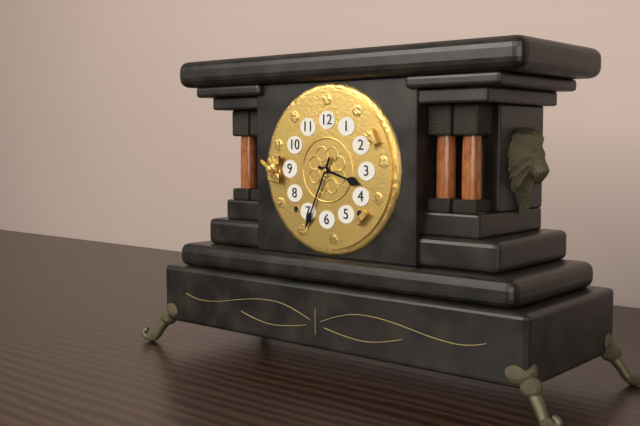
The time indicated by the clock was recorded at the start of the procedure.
3:34
